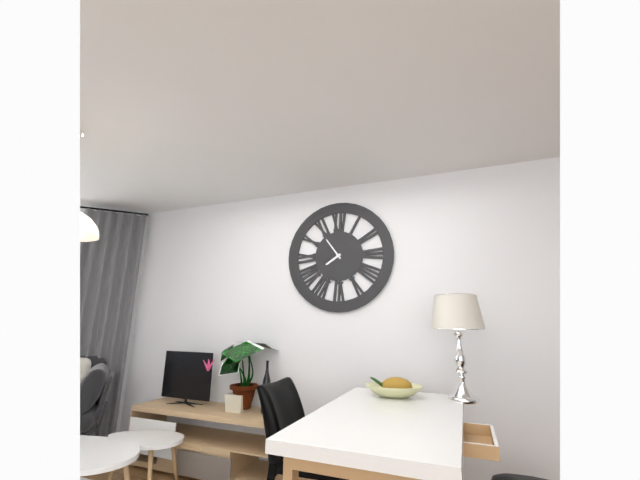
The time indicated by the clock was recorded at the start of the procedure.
7:54
